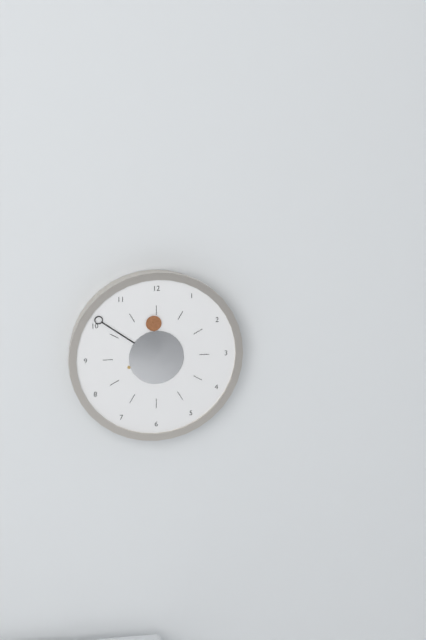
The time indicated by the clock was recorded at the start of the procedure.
11:51
